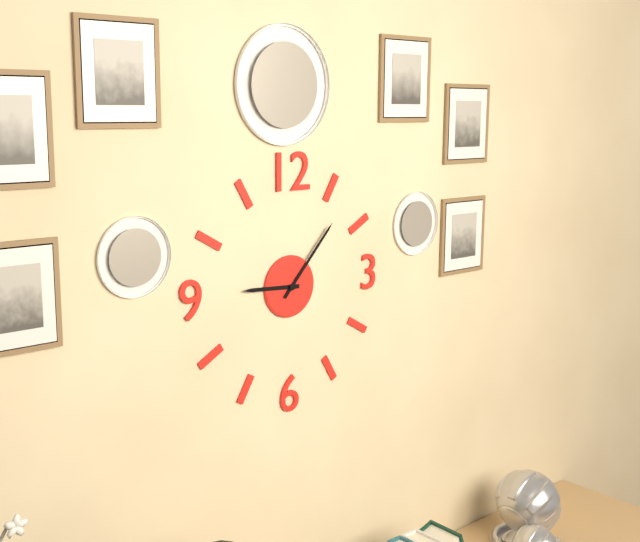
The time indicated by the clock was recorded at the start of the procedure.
9:07
